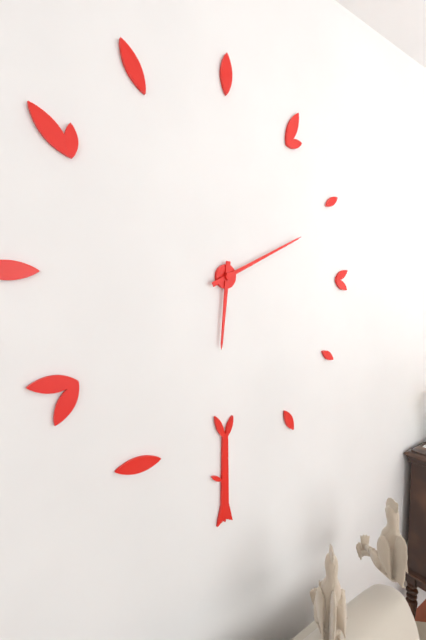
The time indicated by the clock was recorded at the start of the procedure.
6:11
